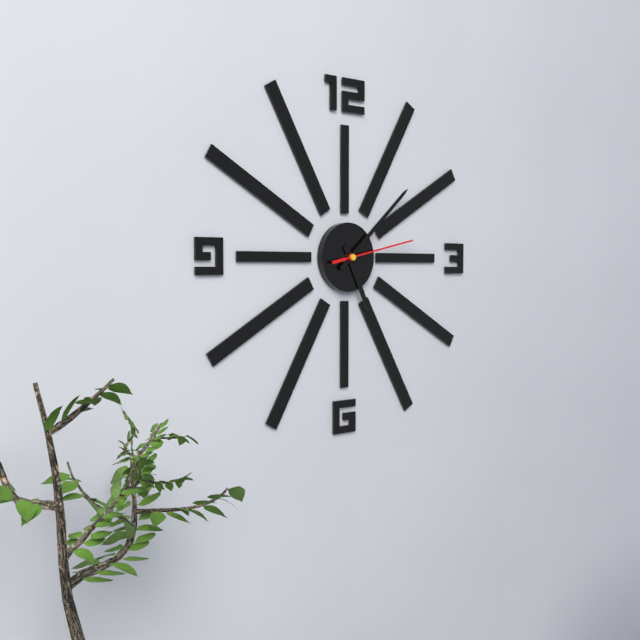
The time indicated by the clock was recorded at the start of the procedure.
5:08:13
